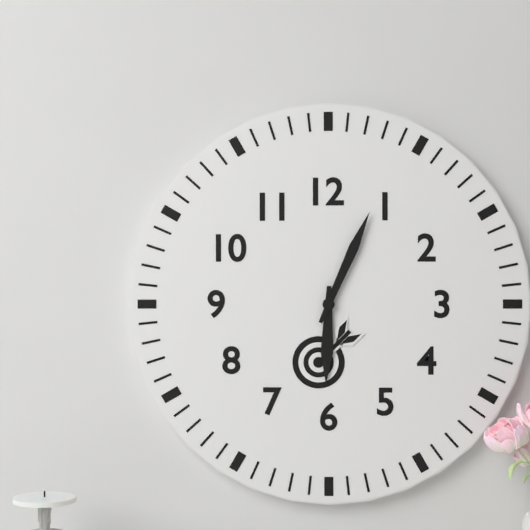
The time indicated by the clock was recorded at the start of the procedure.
6:04
